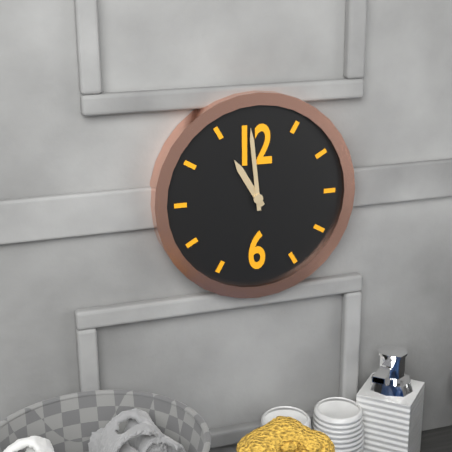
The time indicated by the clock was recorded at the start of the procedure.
10:59
